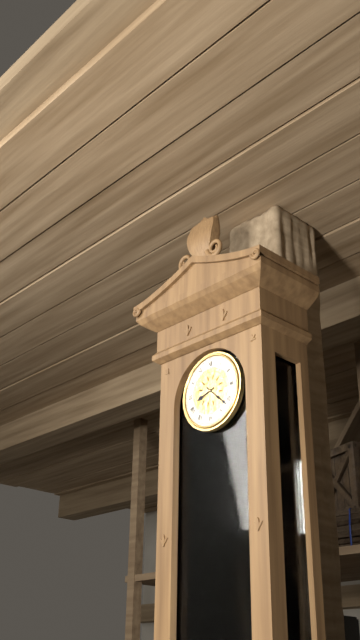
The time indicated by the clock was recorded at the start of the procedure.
8:22
